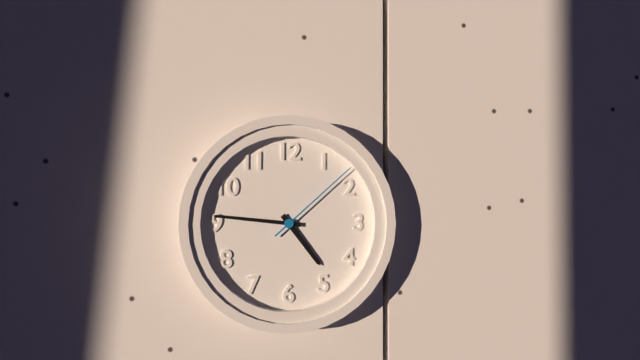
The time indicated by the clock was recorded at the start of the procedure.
4:46:08
